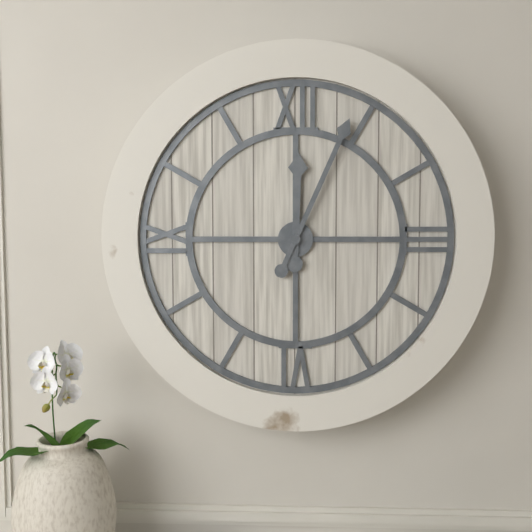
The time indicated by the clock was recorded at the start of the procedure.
12:04
